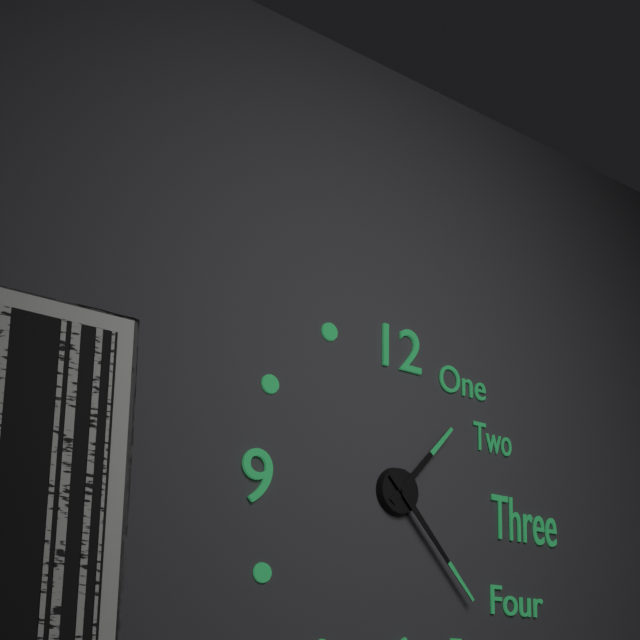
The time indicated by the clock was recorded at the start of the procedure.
1:23
